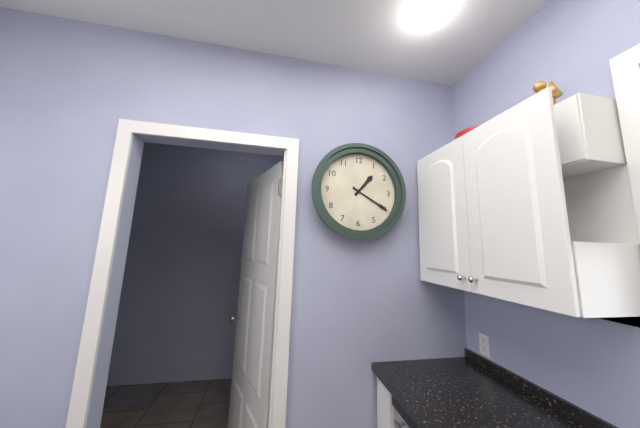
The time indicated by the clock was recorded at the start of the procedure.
1:20
